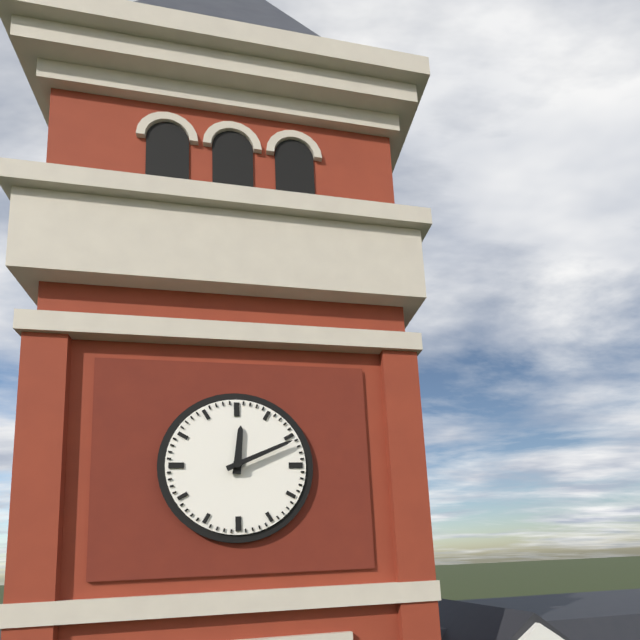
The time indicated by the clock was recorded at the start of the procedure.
12:11
